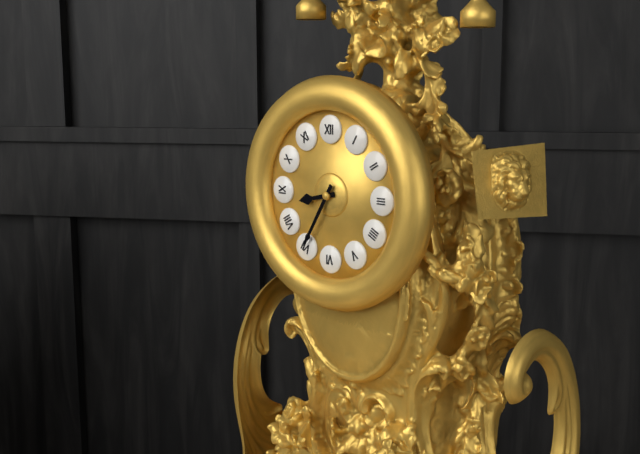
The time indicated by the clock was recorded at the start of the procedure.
8:35
